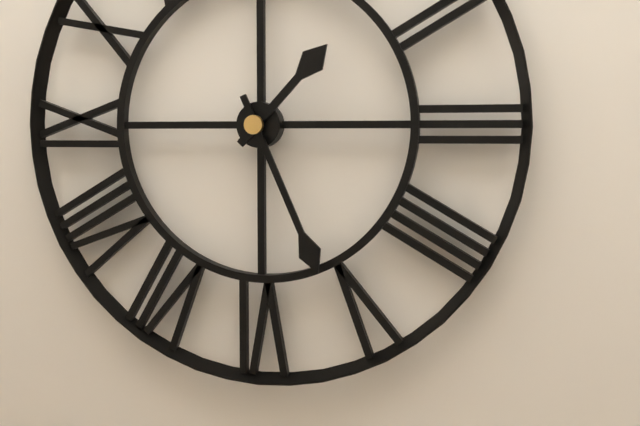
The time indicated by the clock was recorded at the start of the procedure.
1:26
